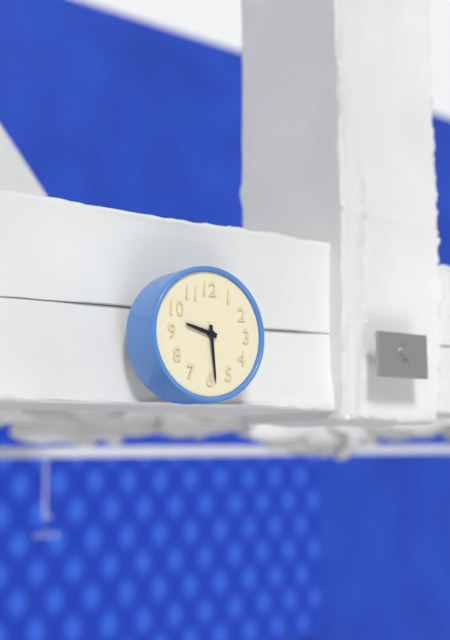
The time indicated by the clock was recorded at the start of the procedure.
9:29
